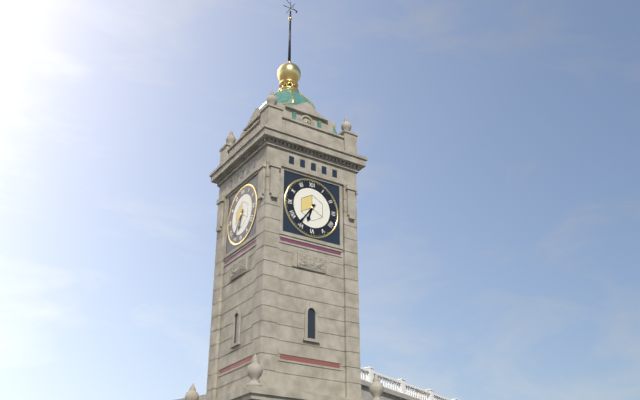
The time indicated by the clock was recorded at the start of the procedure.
6:36
